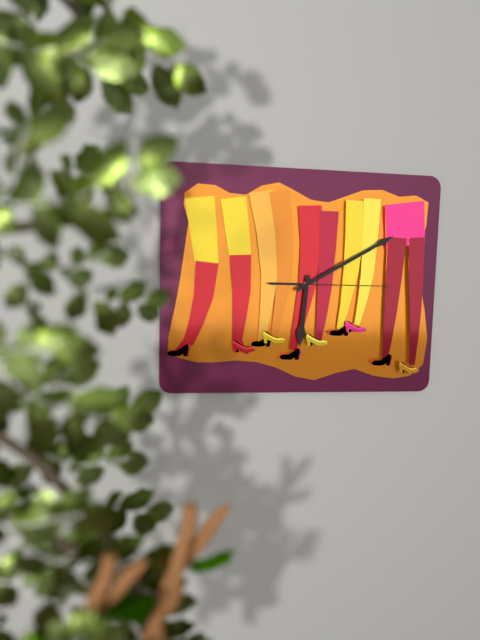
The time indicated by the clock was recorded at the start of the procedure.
6:10:15
